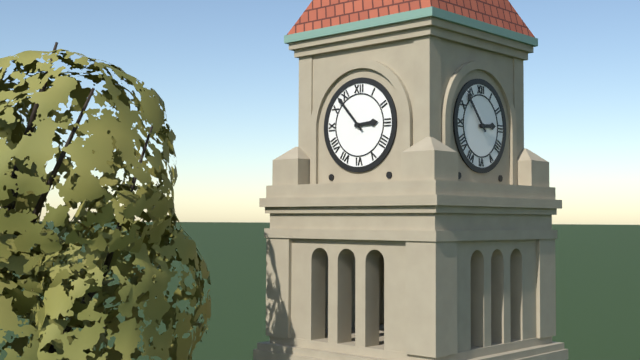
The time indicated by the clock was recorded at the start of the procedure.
2:53
